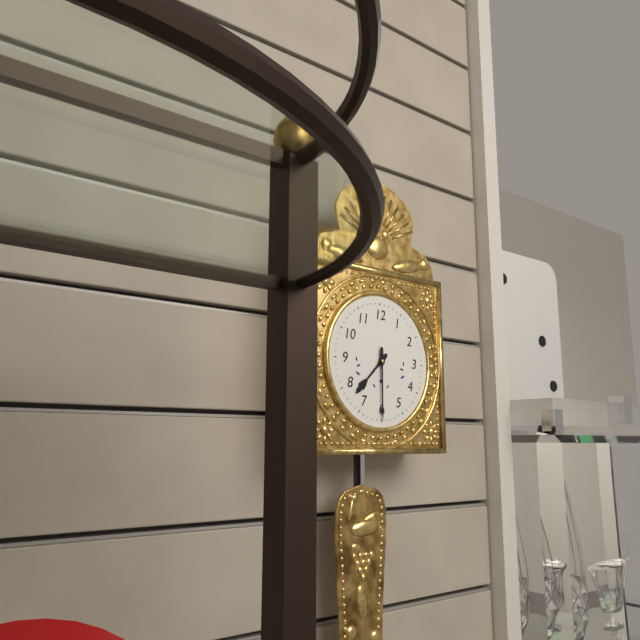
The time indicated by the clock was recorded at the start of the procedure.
7:30
